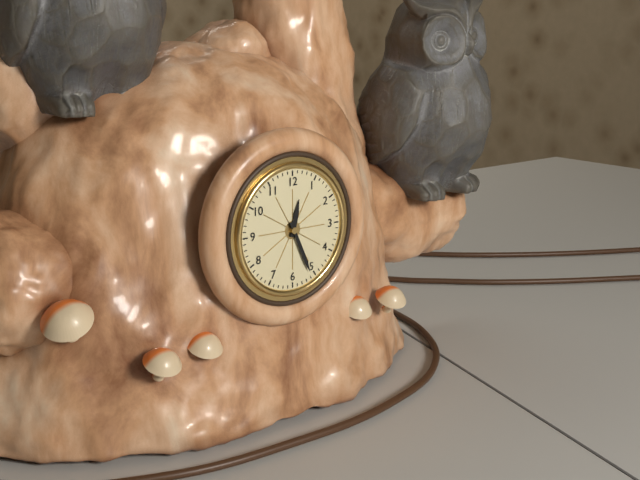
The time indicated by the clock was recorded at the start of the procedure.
12:26
